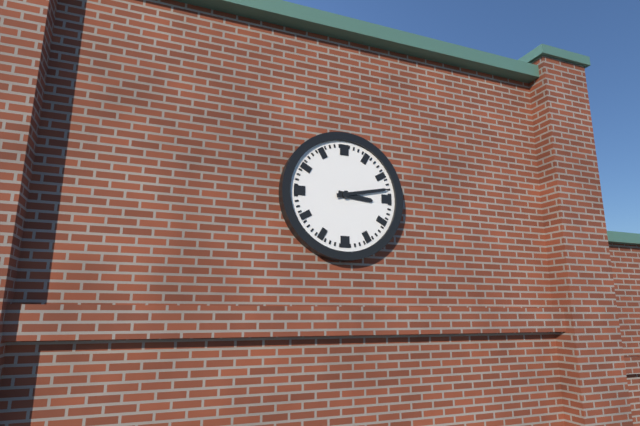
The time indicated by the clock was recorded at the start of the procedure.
3:13
